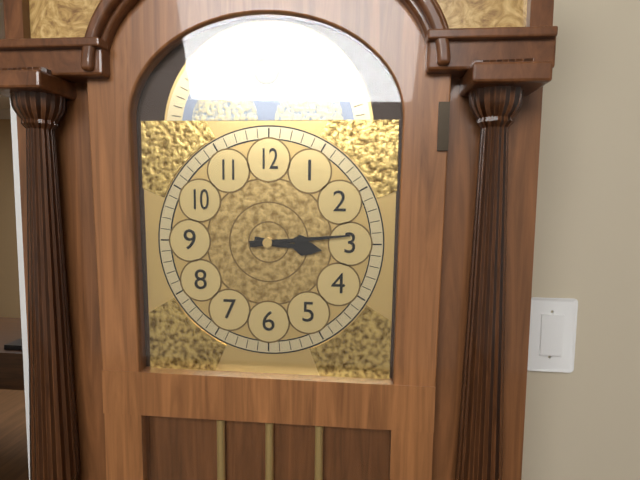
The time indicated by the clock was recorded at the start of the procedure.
3:14
